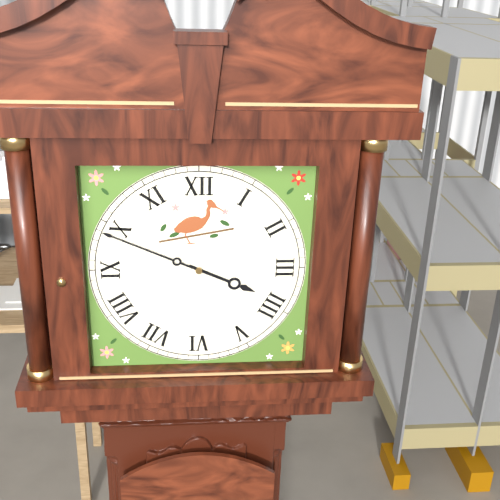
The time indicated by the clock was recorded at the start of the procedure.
3:49
